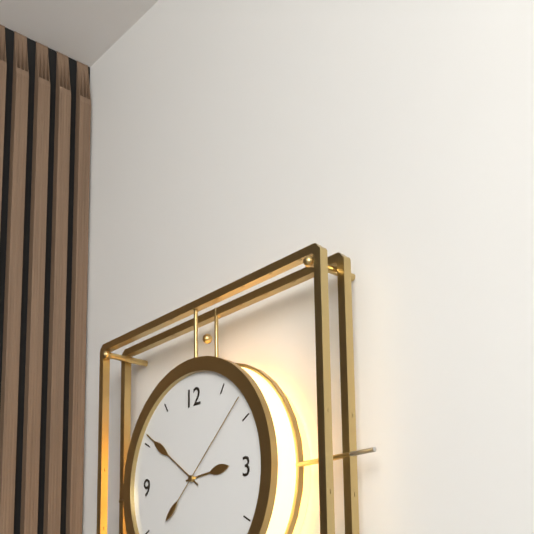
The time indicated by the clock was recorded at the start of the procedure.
2:51:08
